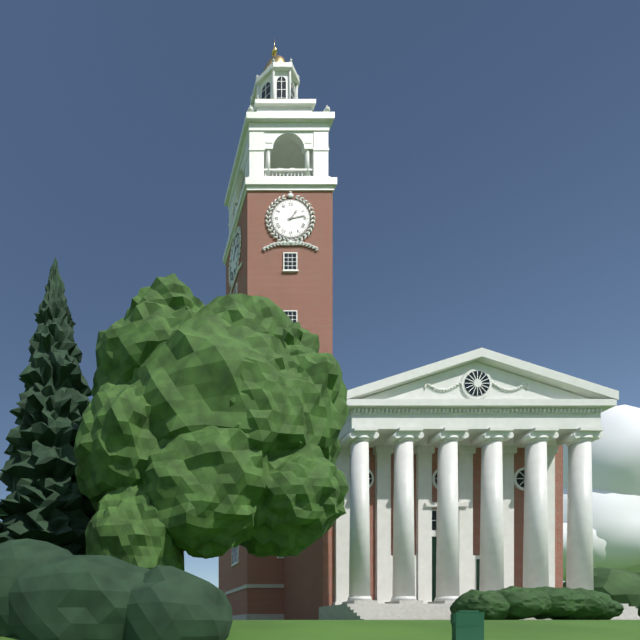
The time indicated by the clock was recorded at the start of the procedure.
1:13
